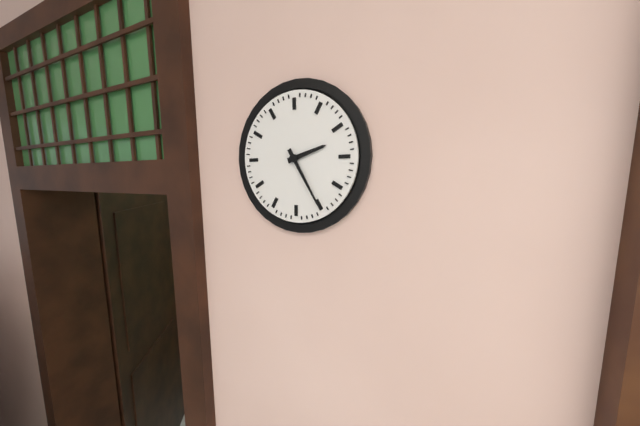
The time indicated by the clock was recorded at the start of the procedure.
2:25
